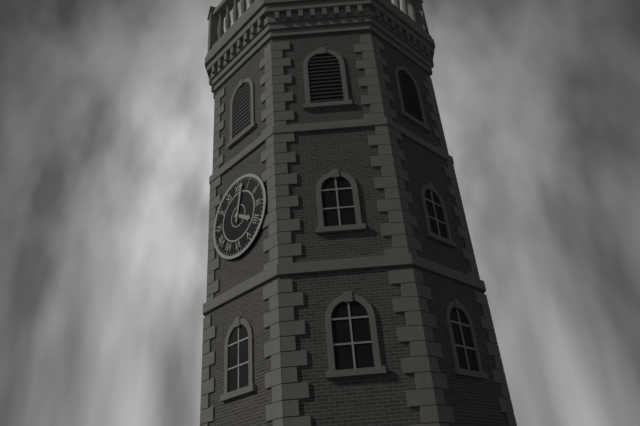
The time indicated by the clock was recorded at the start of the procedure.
4:02
